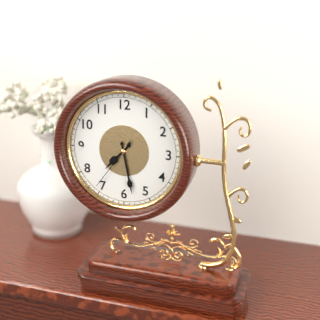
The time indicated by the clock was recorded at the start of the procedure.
7:28:36
